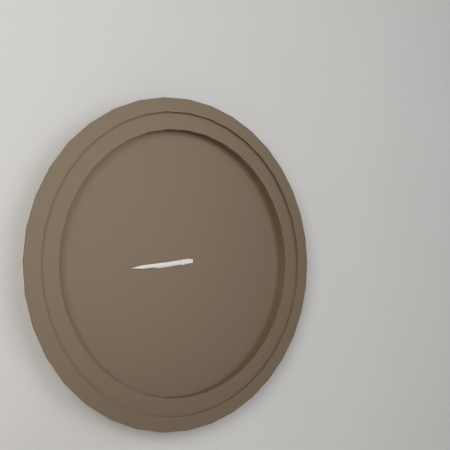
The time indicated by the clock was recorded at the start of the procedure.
8:44
